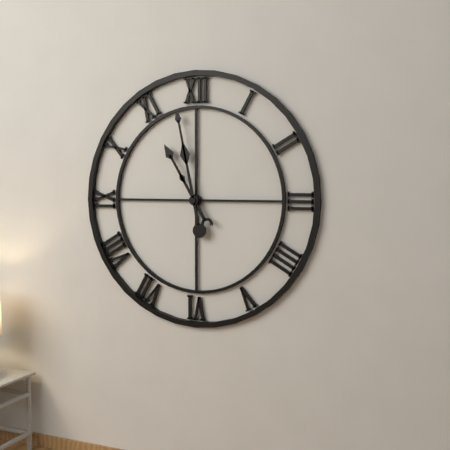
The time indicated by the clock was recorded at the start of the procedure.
10:58
